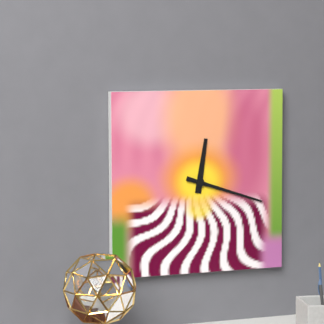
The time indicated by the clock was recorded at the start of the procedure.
12:18
